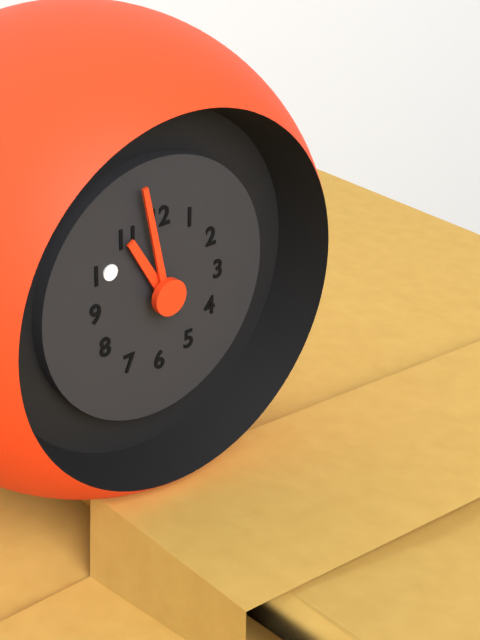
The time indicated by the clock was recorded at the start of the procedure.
10:58
